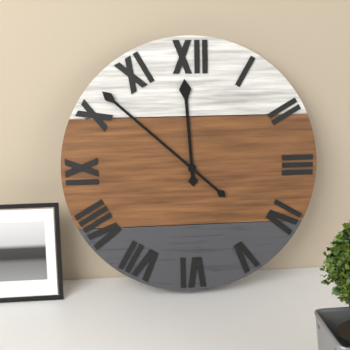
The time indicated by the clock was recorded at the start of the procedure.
11:52
